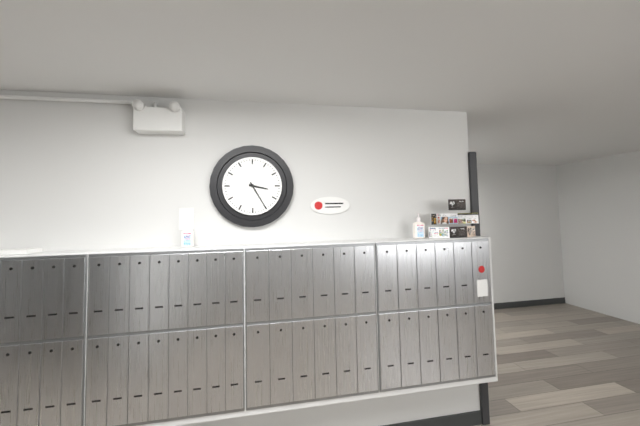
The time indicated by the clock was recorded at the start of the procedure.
3:25
